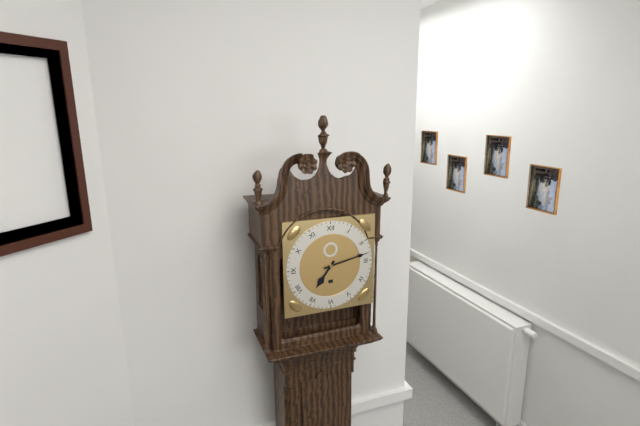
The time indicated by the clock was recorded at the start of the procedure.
7:13
